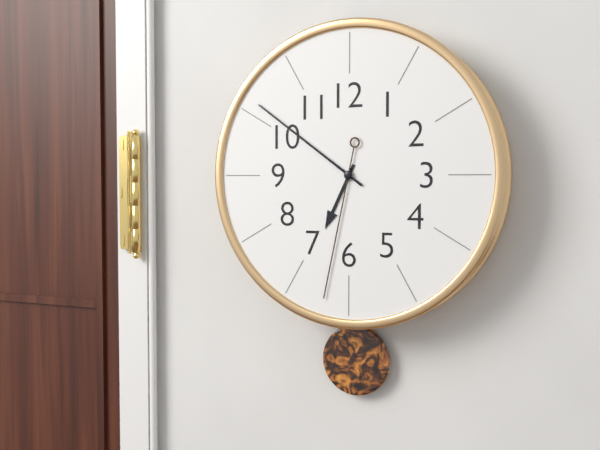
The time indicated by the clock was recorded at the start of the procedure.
6:51:32
